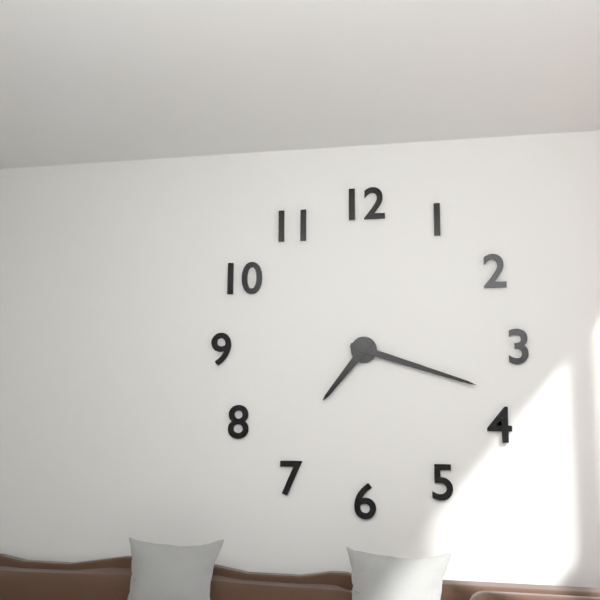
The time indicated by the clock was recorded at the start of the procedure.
7:18
